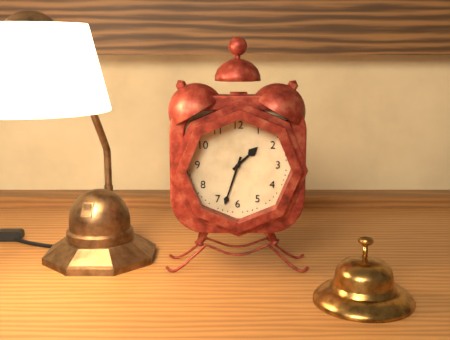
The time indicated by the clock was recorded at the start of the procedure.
1:33
